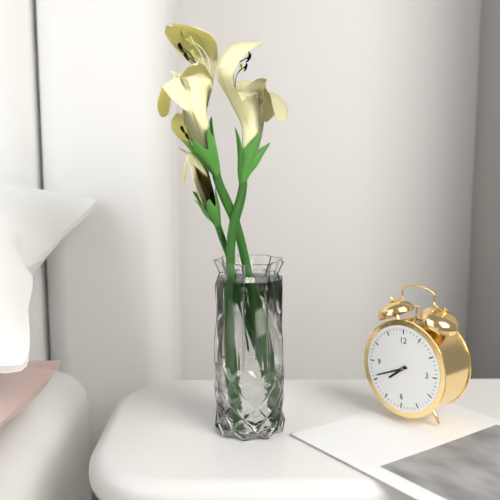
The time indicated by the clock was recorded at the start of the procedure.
7:41
